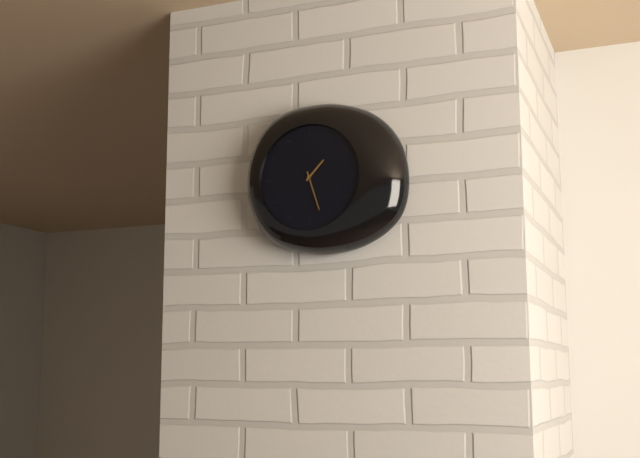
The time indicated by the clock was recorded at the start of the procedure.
1:27
